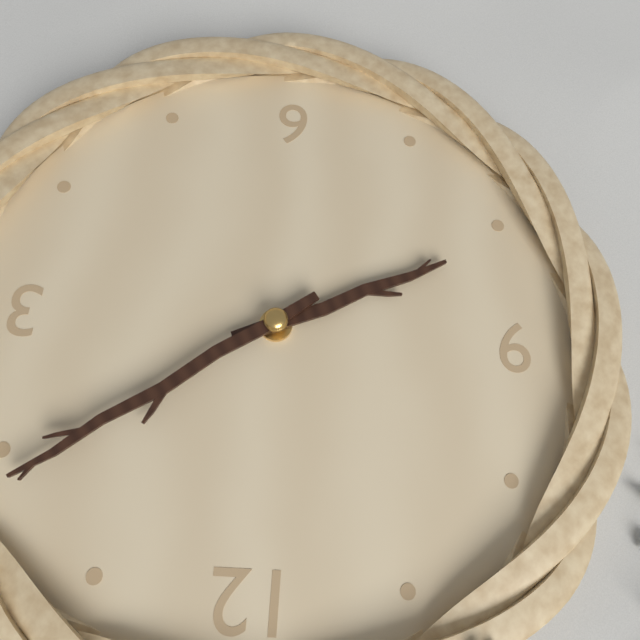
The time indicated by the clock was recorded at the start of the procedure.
8:09
